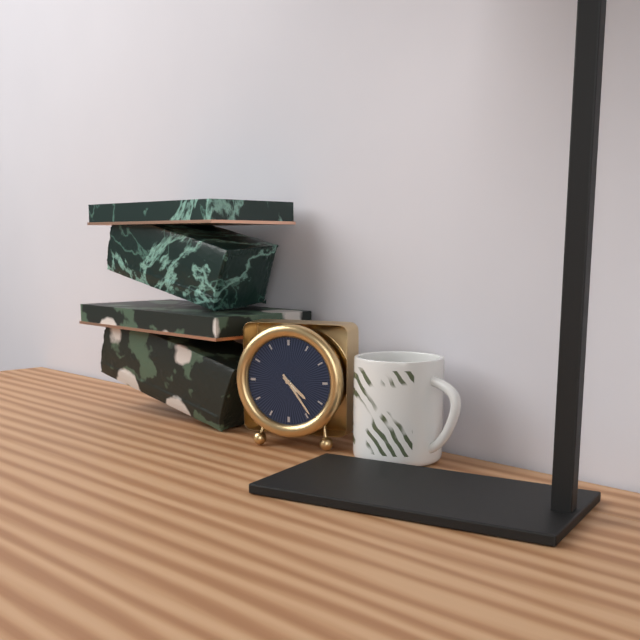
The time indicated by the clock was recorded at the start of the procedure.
4:24
